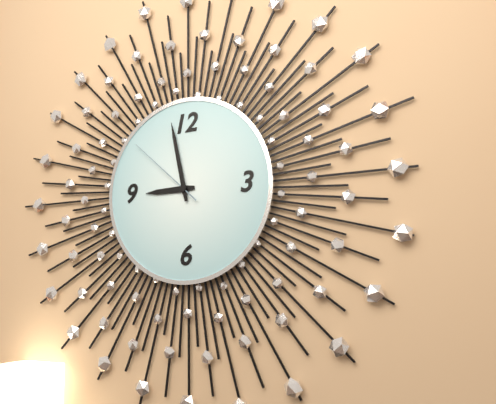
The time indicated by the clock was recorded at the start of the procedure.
8:58:52
